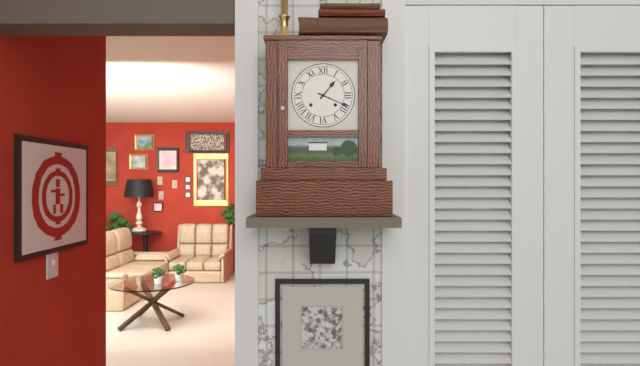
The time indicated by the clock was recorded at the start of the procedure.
1:19
